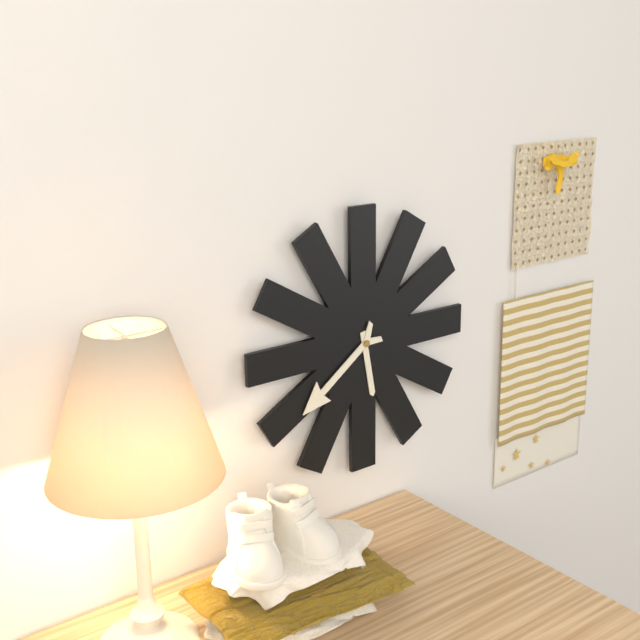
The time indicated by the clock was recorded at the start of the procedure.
5:39
